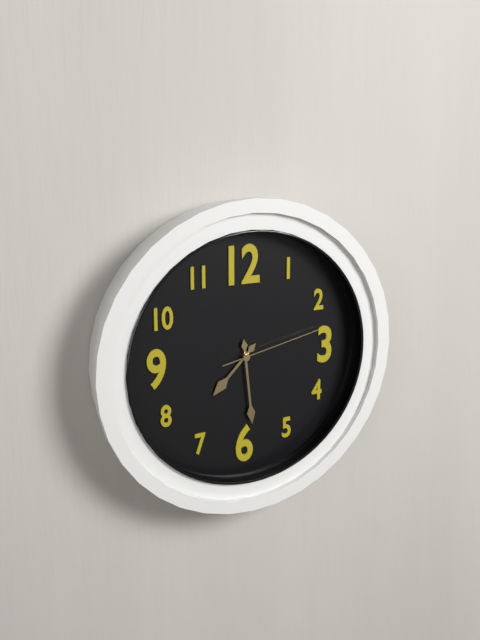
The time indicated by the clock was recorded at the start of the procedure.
7:29:13
